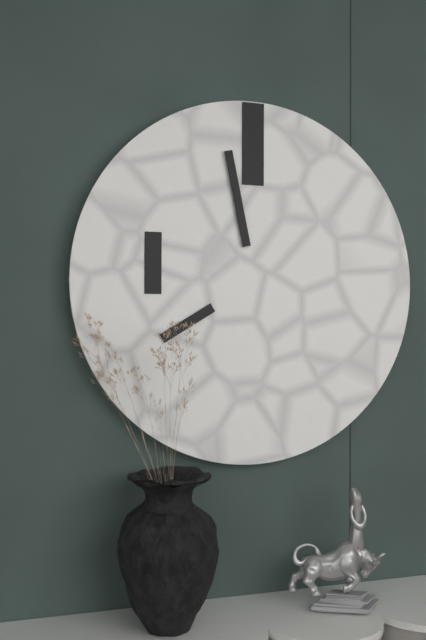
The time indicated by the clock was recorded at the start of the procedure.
7:58
